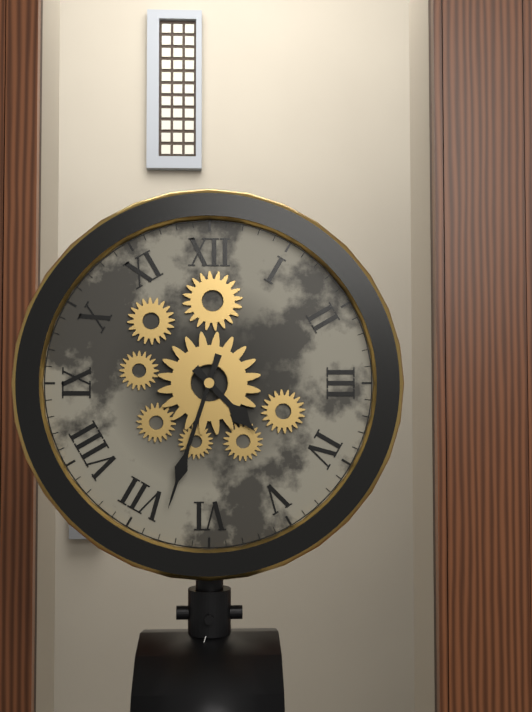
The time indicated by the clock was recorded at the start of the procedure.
4:33
